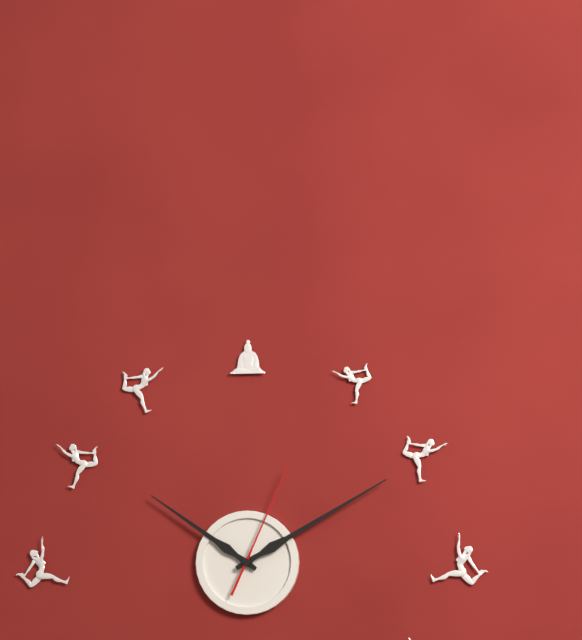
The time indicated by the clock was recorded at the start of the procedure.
10:10:04
